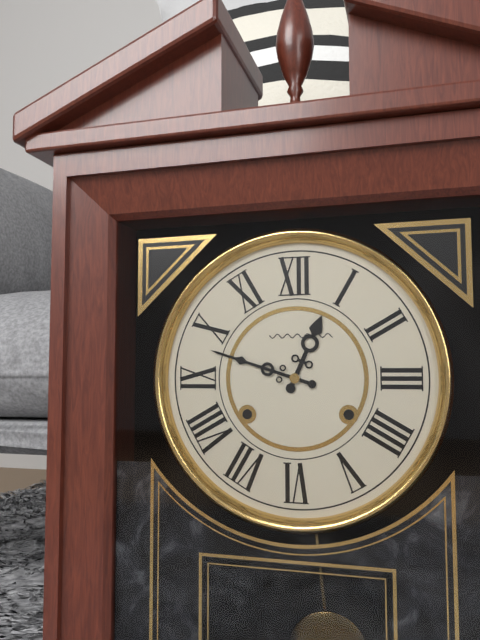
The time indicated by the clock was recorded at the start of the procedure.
12:48
